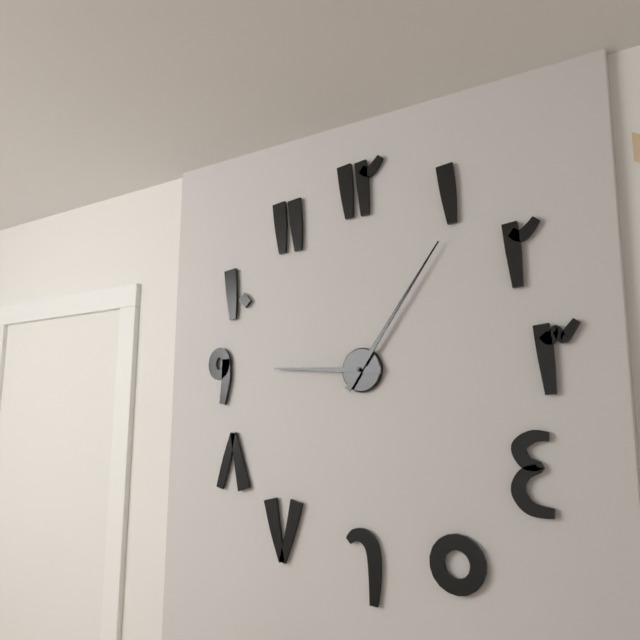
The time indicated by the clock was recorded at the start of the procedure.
9:06
